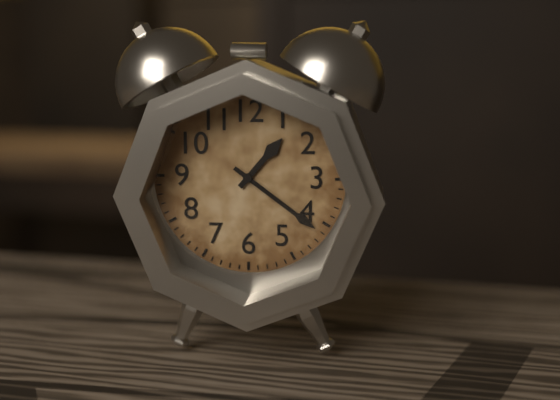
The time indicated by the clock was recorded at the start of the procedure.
1:21
